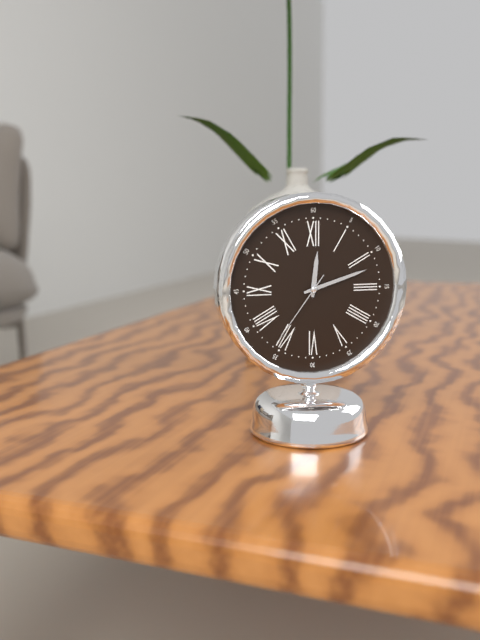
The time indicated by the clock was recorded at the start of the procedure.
12:12:36
